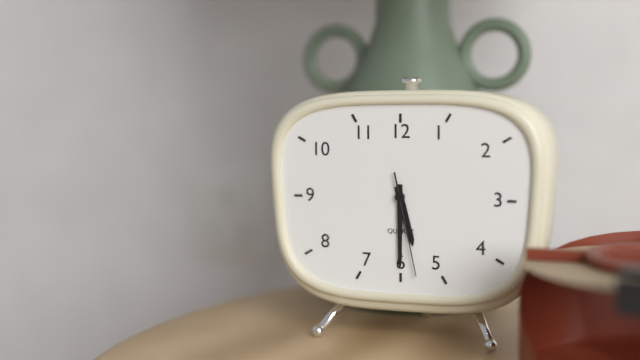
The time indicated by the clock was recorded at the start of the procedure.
5:30:28
